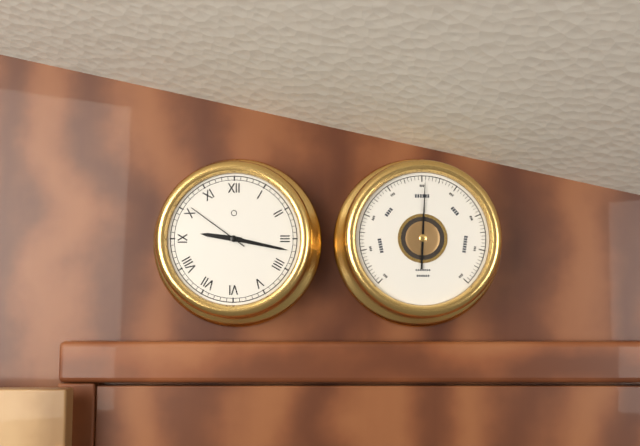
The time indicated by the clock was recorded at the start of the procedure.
9:17:51
